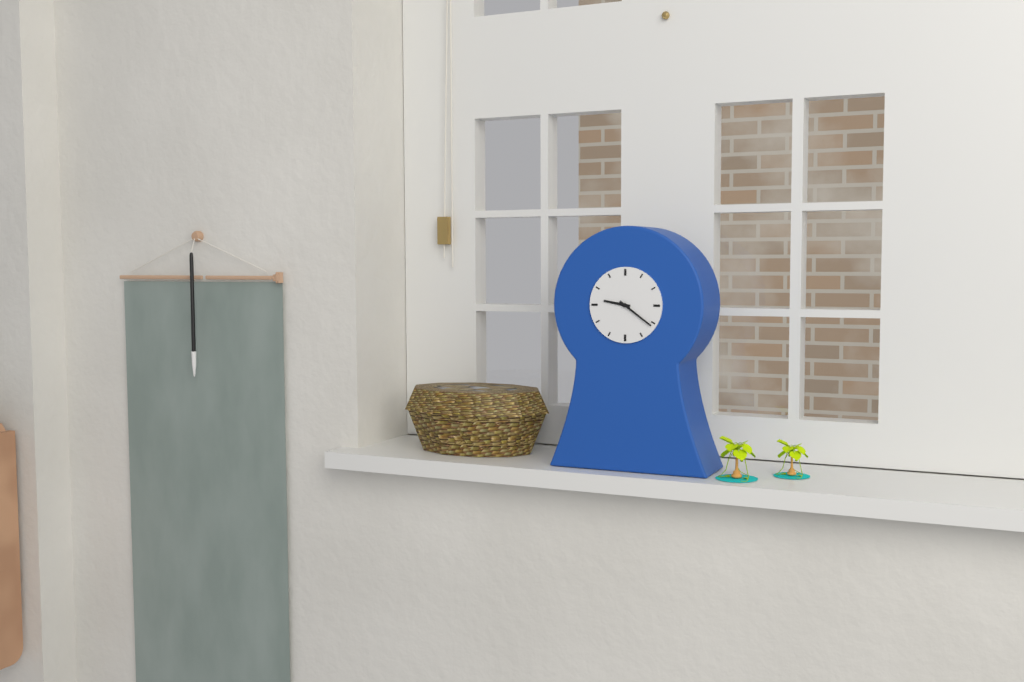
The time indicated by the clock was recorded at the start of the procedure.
9:21
